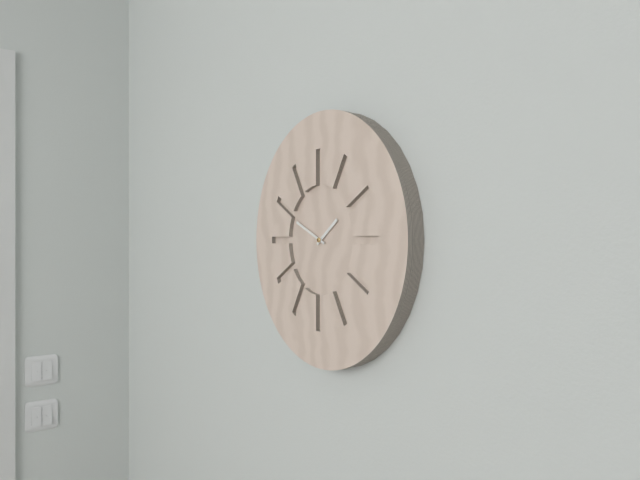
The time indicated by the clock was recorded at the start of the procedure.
1:49
